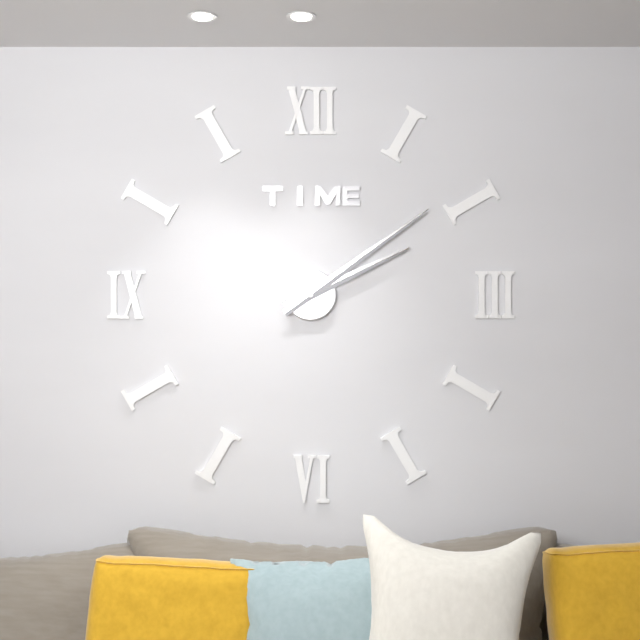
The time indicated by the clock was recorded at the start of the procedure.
2:09
